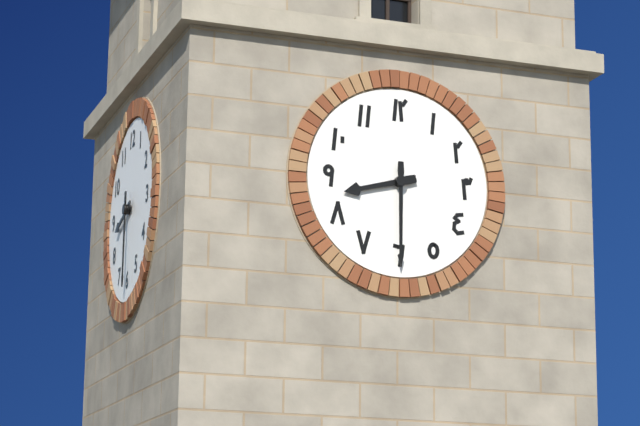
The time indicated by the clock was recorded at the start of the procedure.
8:30
